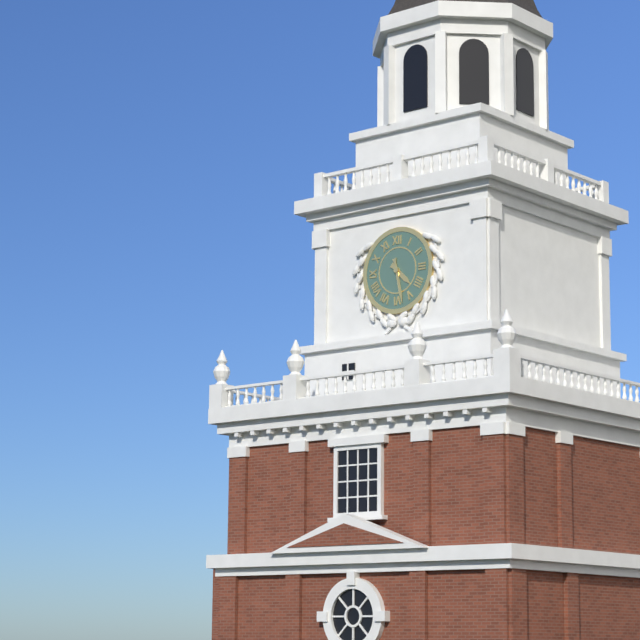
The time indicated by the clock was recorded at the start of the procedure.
4:28
